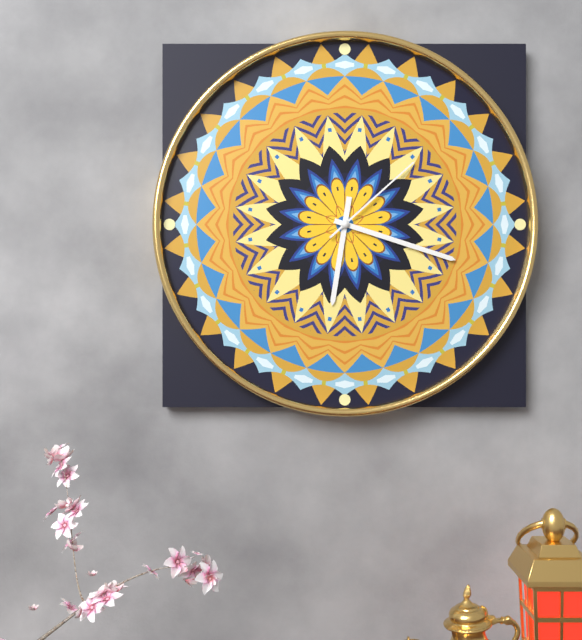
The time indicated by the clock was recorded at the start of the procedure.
6:18:08
